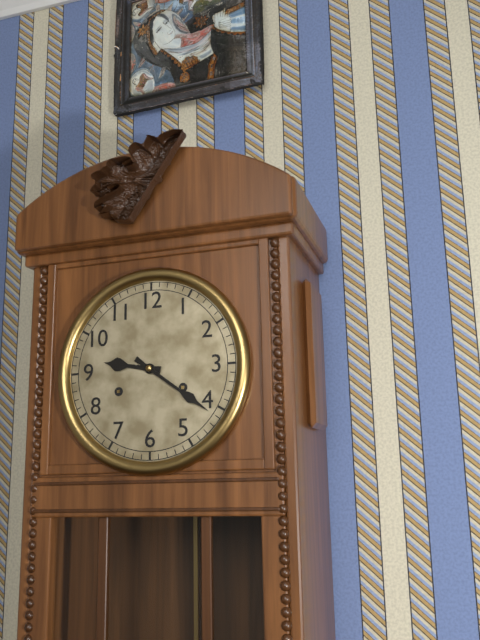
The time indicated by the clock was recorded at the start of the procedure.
9:21
